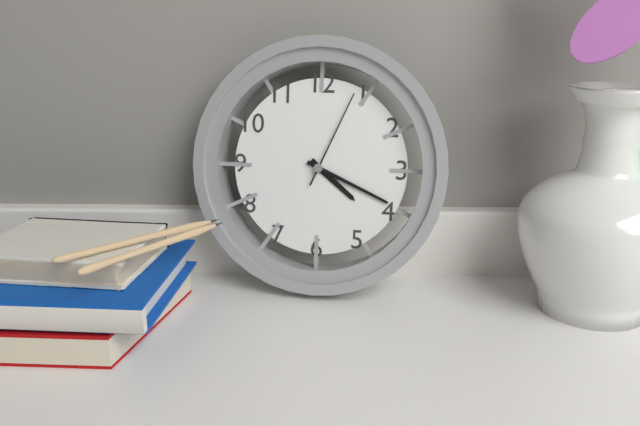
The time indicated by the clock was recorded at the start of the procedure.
4:19:04
